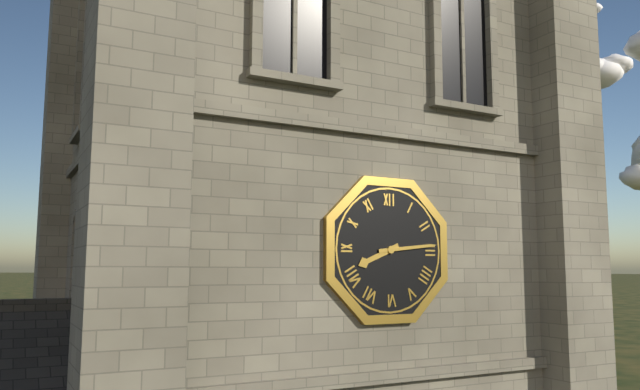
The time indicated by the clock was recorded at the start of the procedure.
8:14
